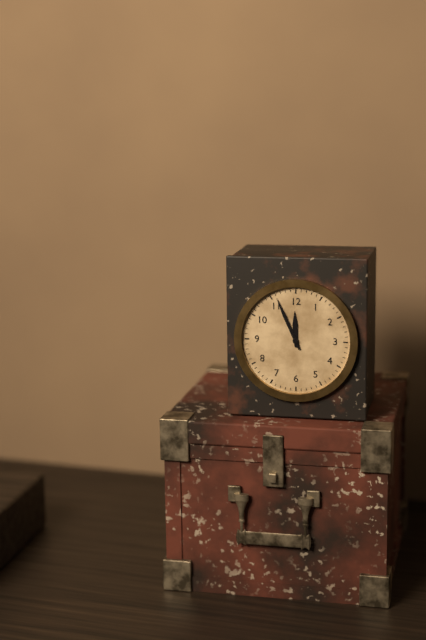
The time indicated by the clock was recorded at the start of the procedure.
11:56
